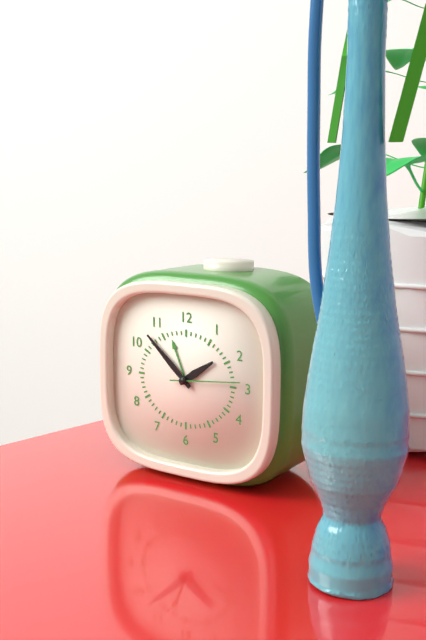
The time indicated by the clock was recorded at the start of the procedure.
1:52:14
